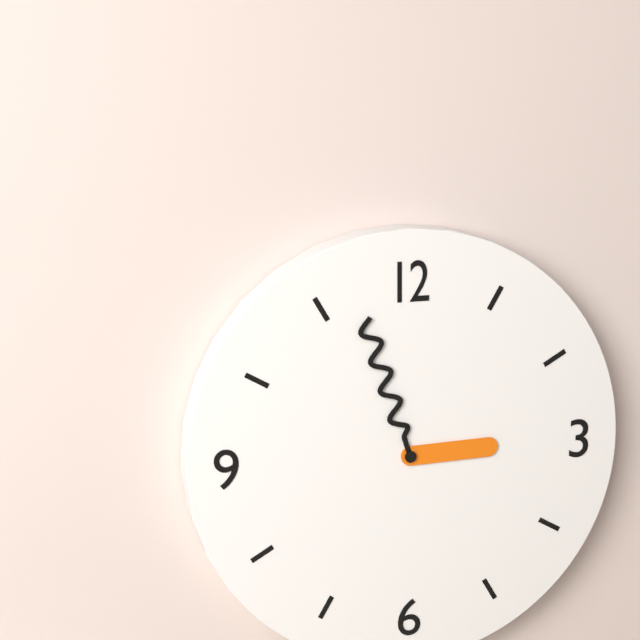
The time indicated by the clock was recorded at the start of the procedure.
2:57
